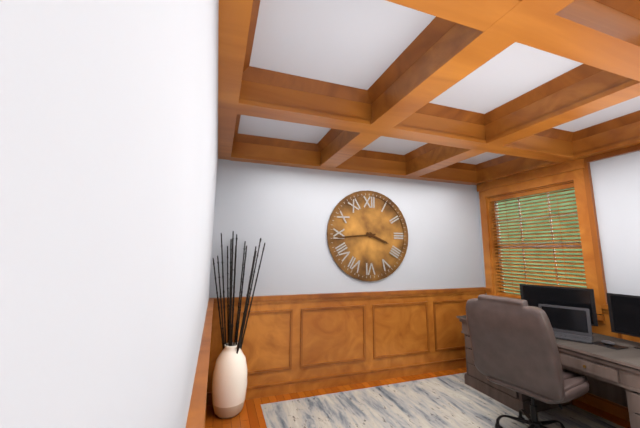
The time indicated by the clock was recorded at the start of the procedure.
3:44
